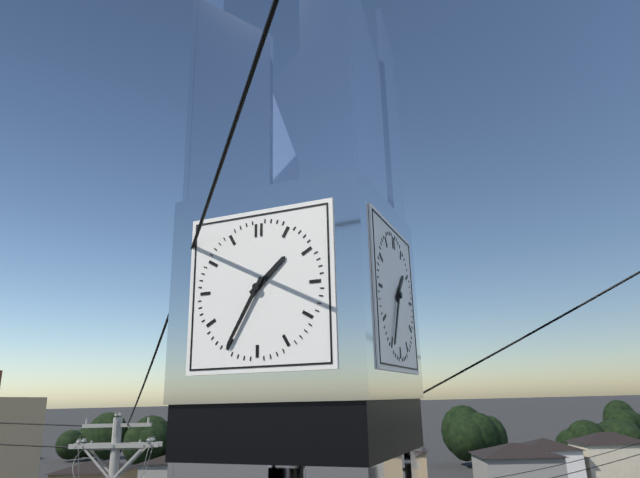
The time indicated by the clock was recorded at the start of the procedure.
1:35
